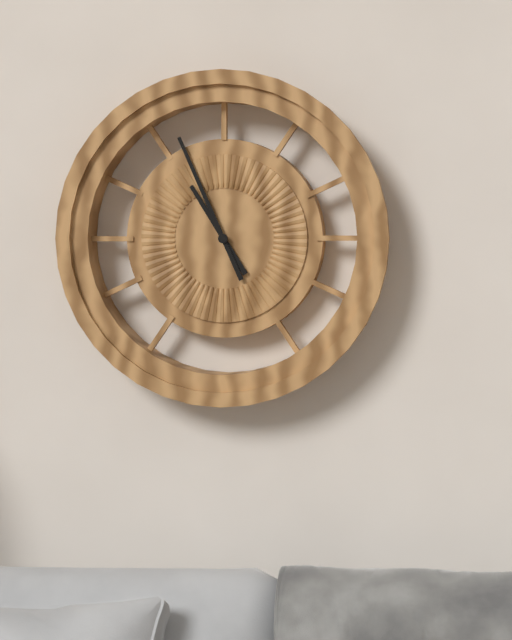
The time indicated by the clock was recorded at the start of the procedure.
10:56
